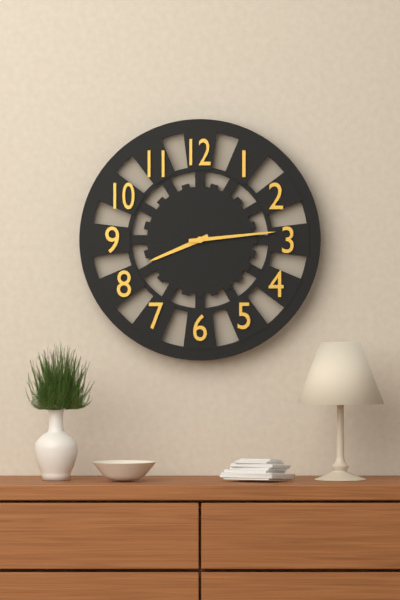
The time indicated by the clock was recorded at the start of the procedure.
8:14
